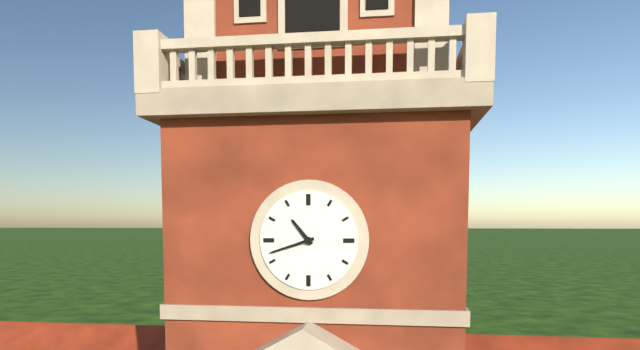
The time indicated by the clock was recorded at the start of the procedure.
10:42
